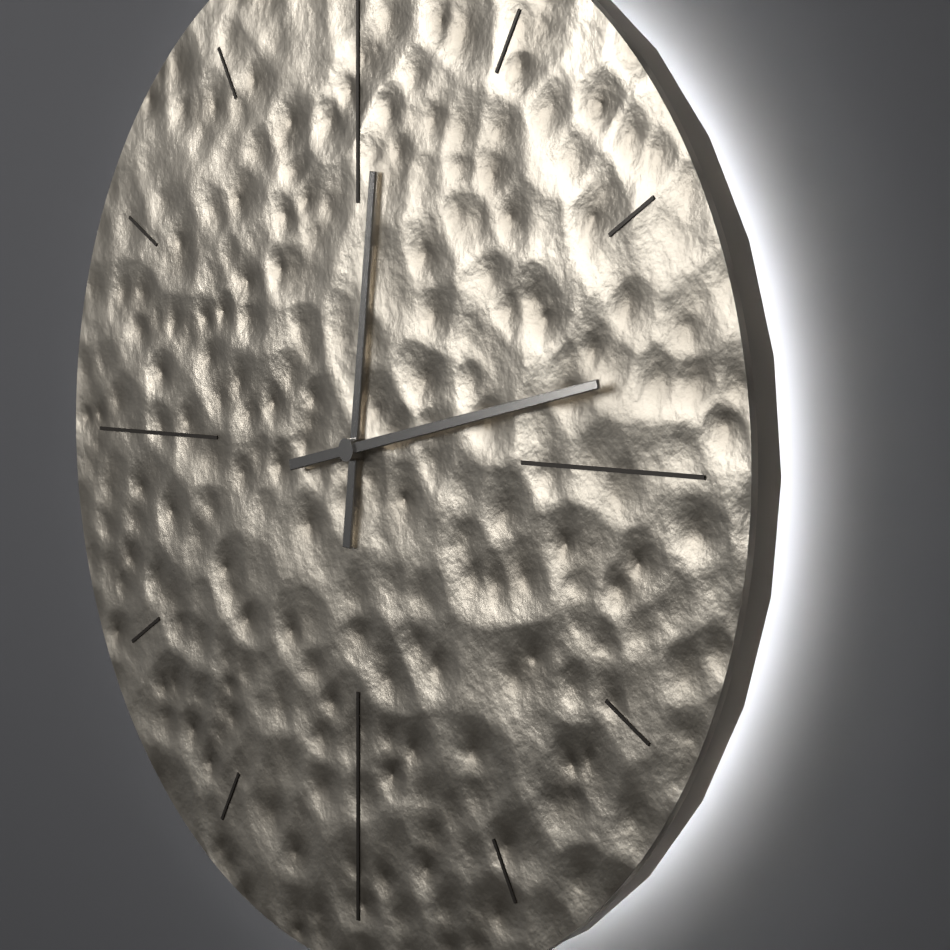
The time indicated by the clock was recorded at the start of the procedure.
12:13
